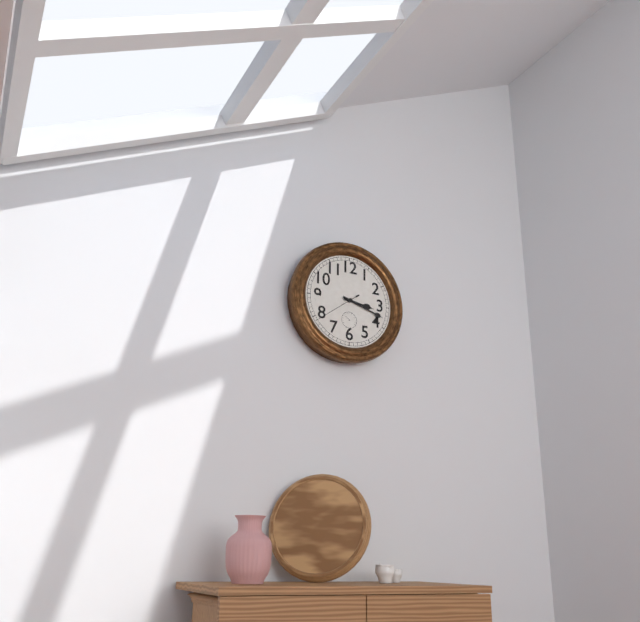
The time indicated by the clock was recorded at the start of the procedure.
3:18
